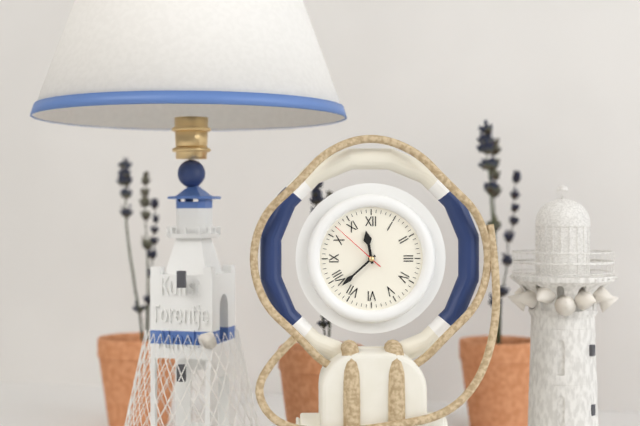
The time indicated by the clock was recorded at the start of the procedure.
11:38:52
